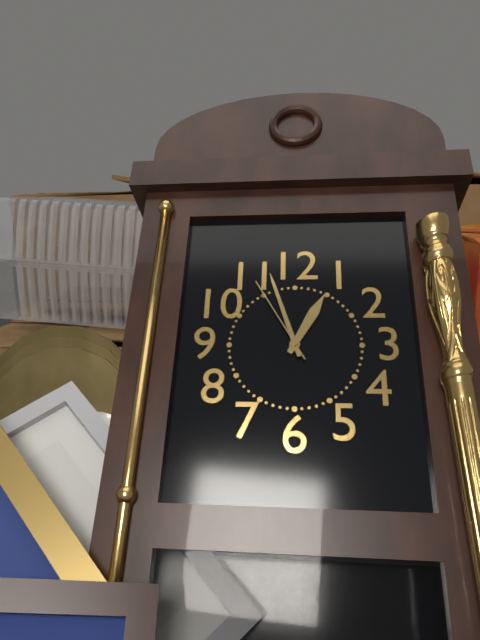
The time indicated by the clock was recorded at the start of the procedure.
12:57:55
